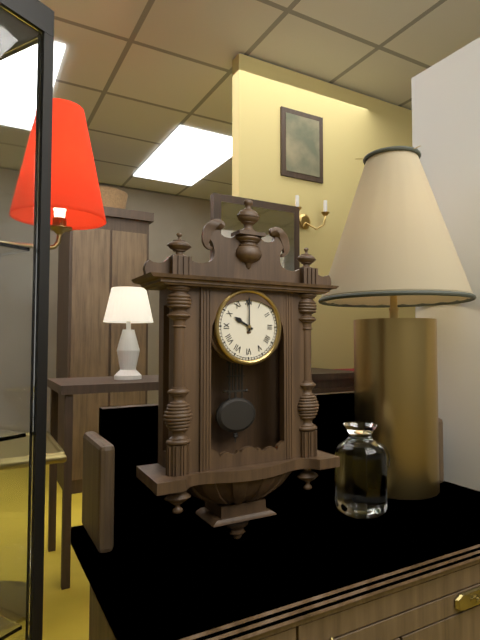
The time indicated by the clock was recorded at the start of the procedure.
10:00
